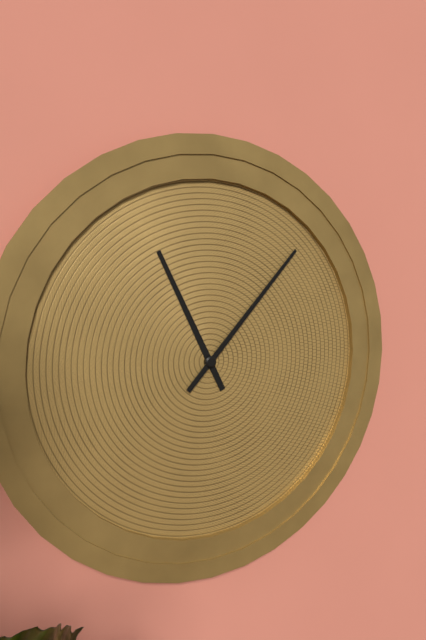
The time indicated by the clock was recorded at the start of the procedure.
11:07
